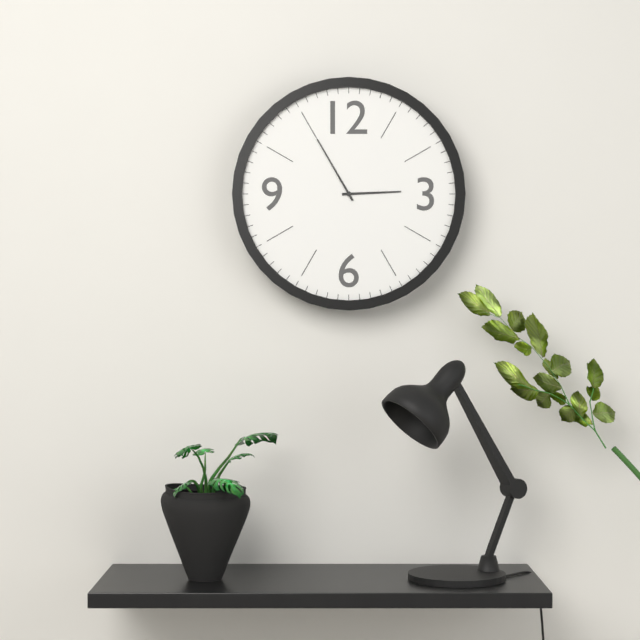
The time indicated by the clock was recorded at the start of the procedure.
2:55
